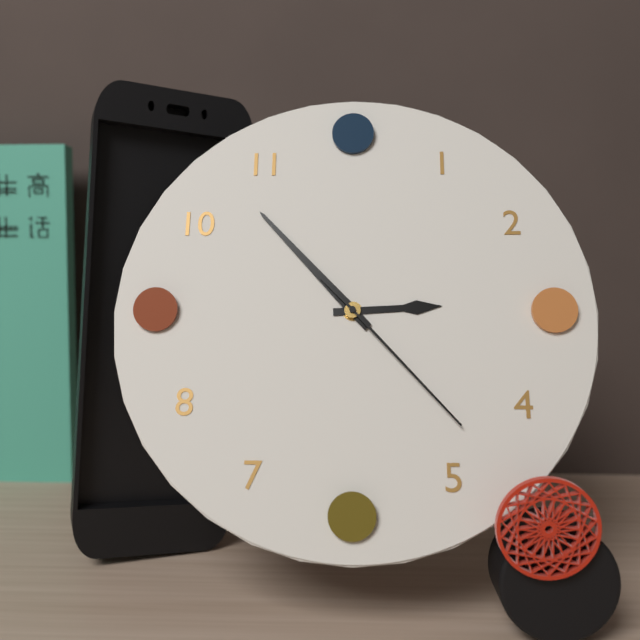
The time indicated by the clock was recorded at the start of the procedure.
2:53:23
